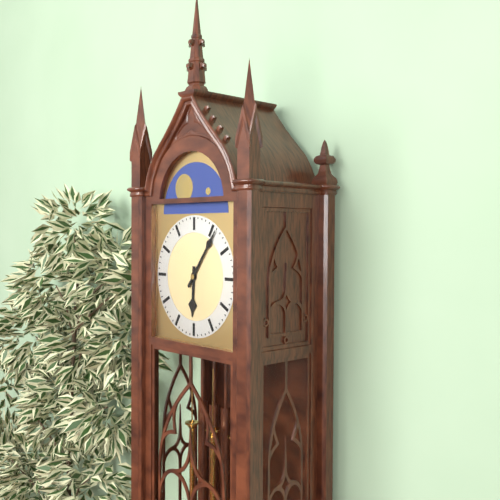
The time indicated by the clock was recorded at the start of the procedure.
6:06
